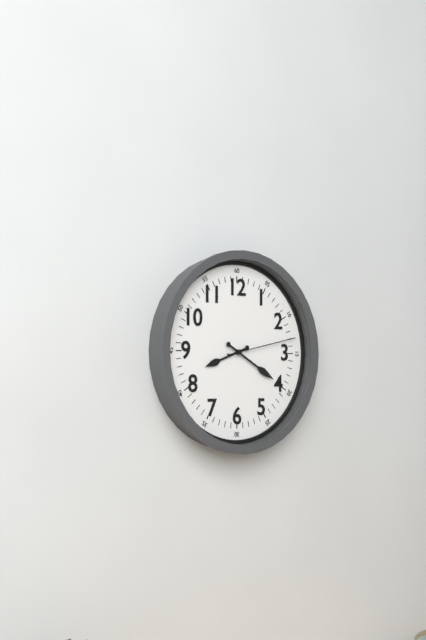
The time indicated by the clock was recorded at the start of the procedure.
8:20:13
